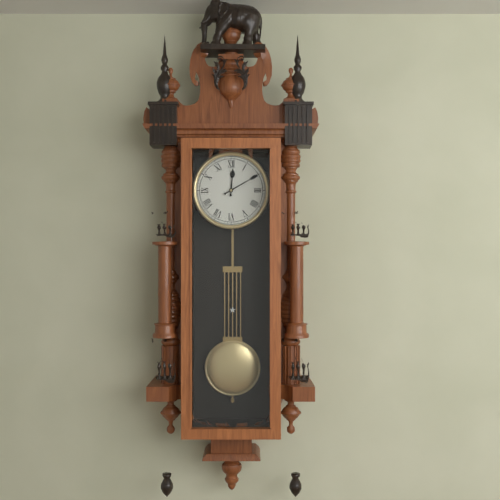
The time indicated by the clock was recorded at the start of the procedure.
12:10
